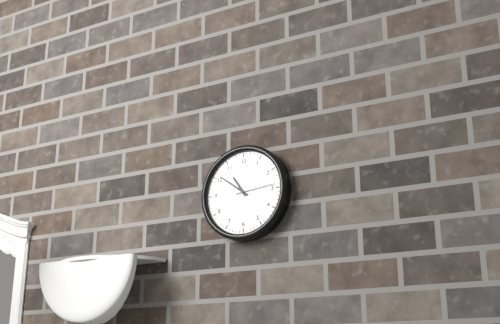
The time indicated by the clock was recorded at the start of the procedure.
10:51
